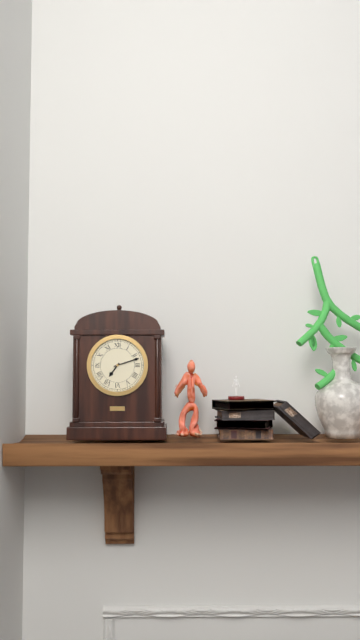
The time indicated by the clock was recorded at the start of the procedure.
7:12
